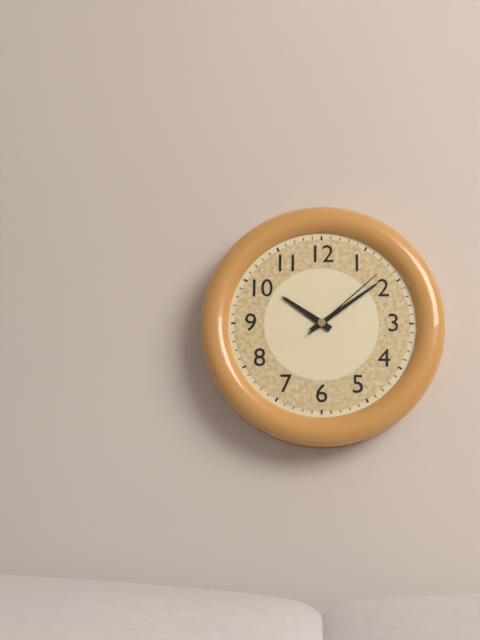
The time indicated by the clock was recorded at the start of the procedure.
10:09:08
